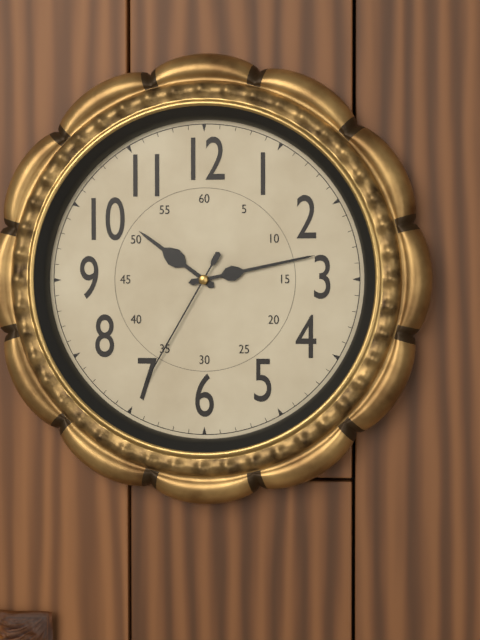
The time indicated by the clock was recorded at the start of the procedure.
10:13:35
